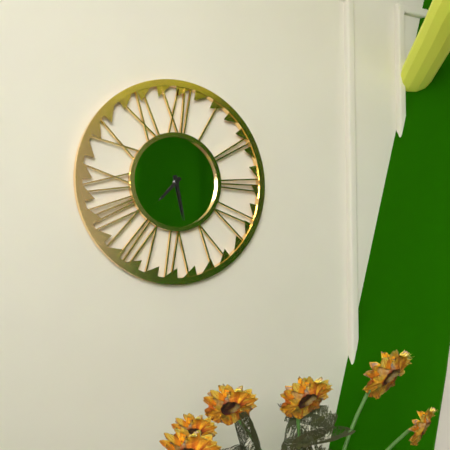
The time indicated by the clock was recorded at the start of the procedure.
7:28
